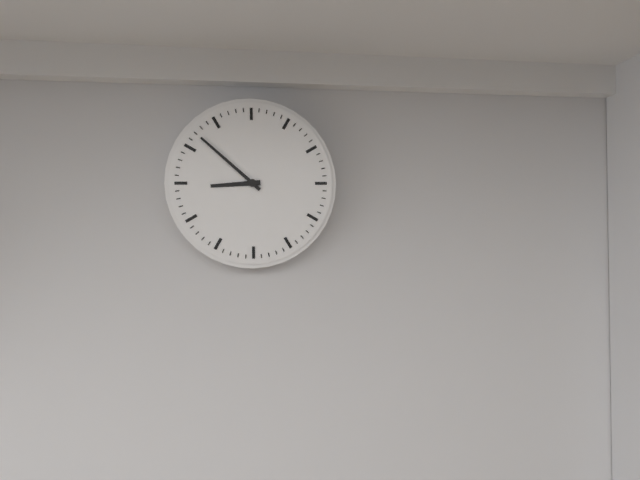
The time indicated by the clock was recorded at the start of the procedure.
8:52
